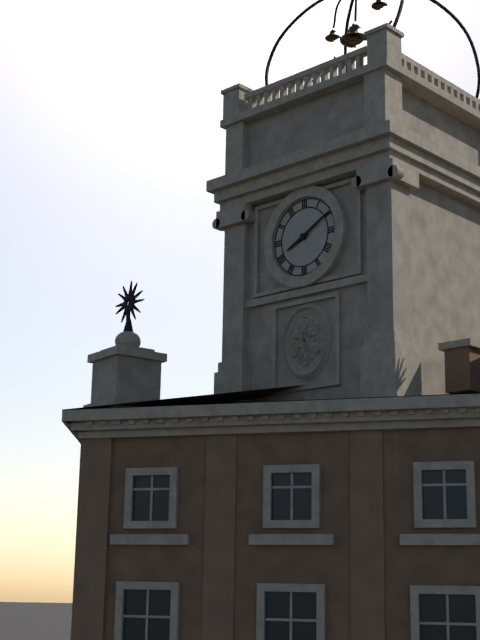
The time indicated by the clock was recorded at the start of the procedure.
8:10
